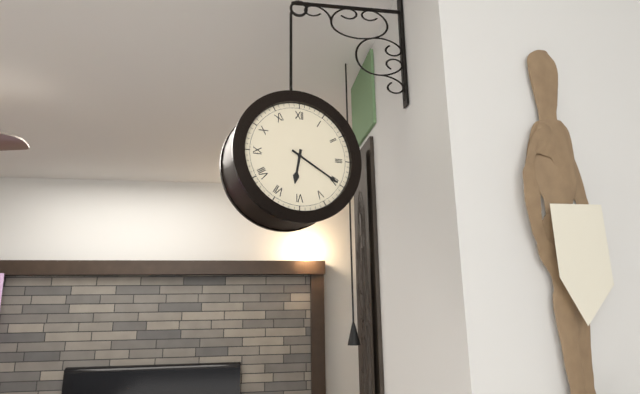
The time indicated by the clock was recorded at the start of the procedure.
6:20
